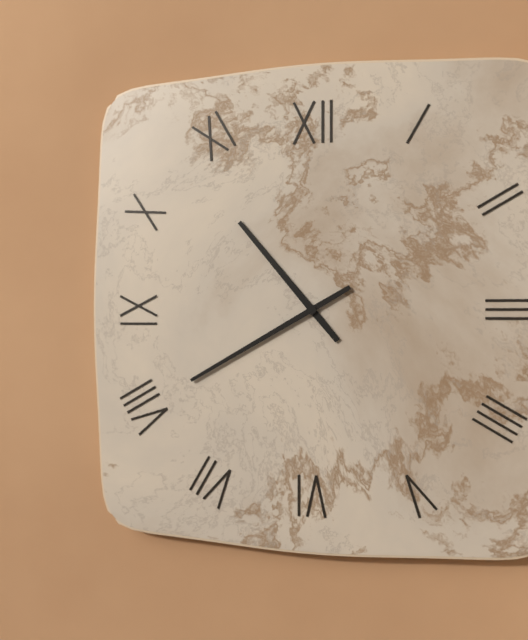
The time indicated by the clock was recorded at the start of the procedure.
10:40
